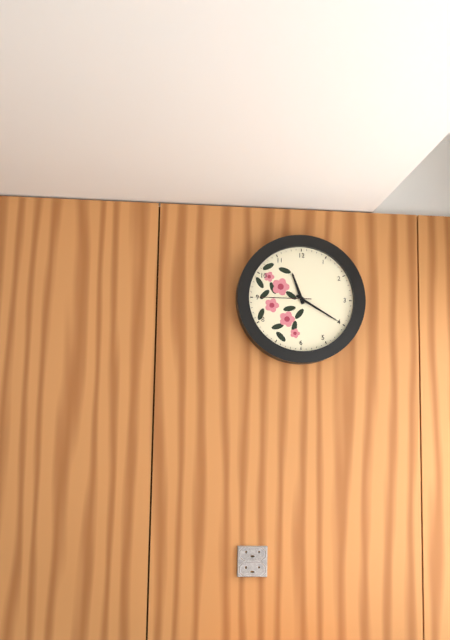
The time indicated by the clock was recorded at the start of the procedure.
11:20:45
